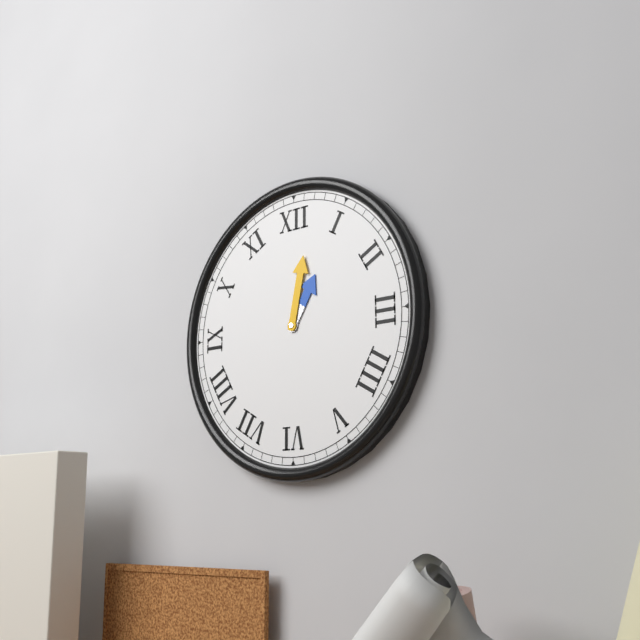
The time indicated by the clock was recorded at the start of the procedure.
1:02
